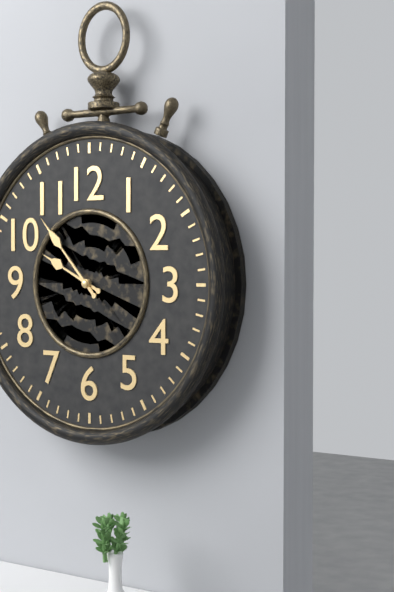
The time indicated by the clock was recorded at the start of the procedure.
9:53
